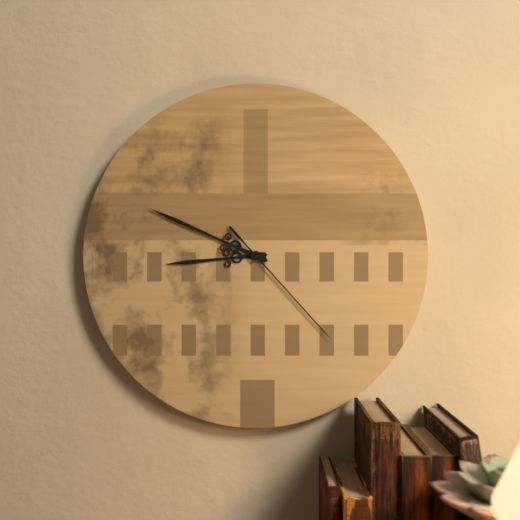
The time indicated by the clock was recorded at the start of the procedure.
8:49:23
